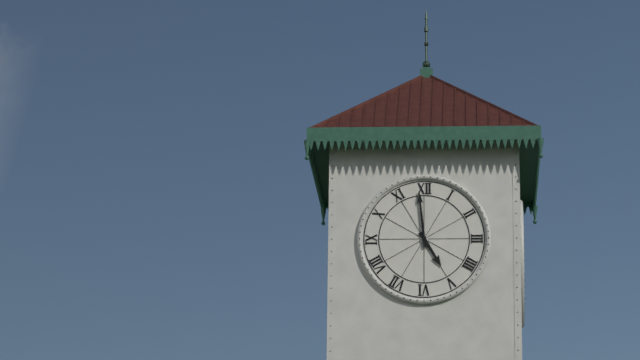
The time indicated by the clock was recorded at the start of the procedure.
4:59
